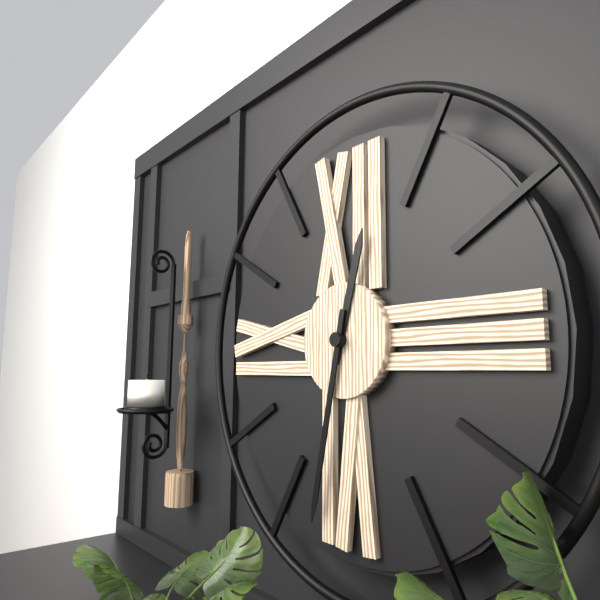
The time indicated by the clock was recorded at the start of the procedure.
12:32
